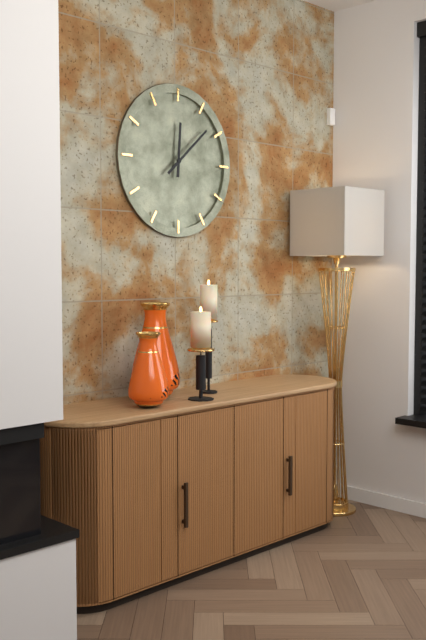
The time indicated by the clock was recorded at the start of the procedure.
12:08
